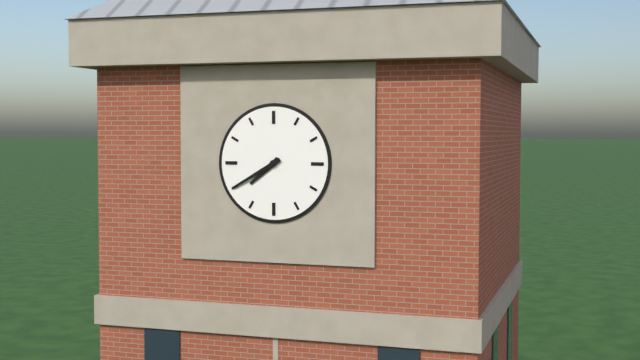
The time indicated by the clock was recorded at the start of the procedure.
7:40
